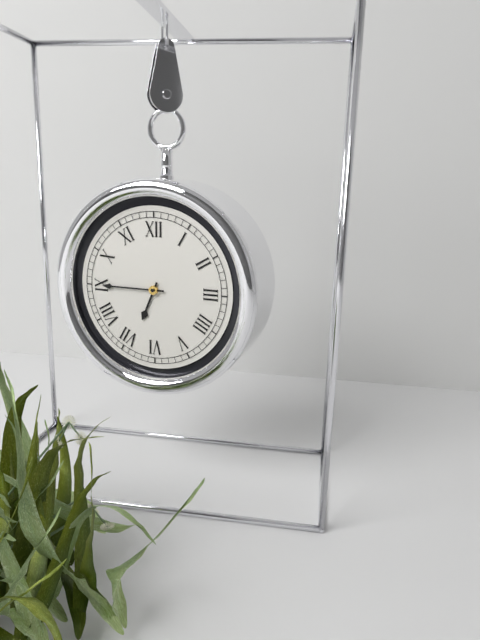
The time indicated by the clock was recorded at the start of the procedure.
6:45
